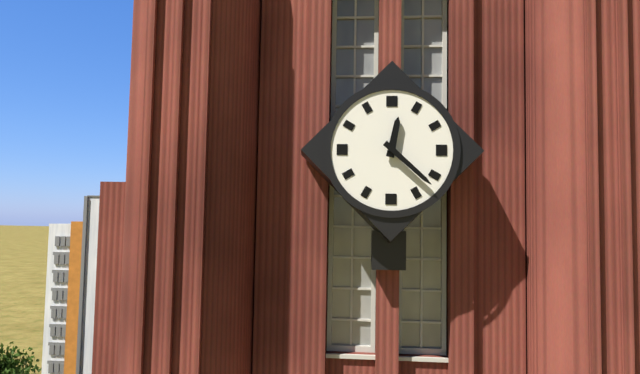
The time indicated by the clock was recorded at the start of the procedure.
12:22
